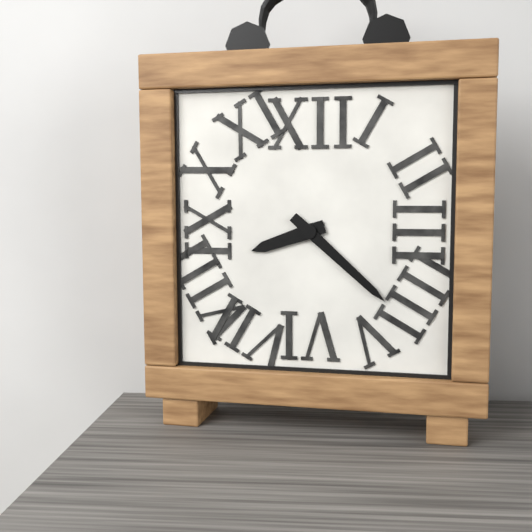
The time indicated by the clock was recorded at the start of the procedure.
8:22
